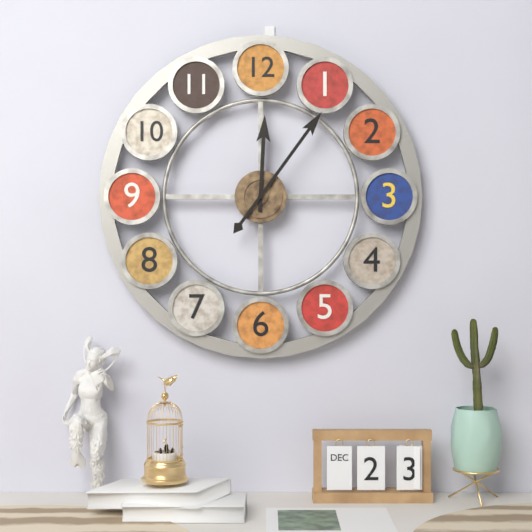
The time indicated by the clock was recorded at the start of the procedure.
12:06
